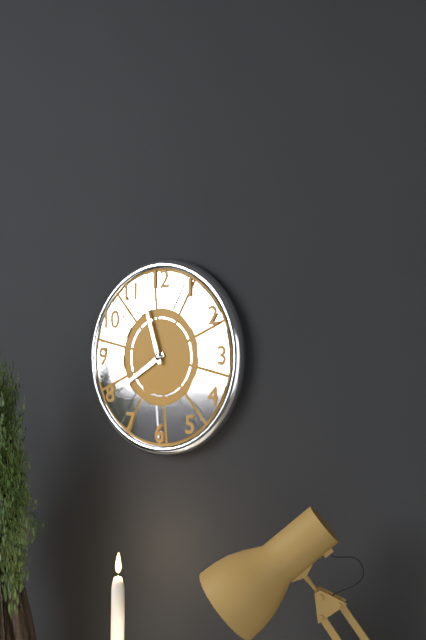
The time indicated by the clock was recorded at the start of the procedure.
7:57
